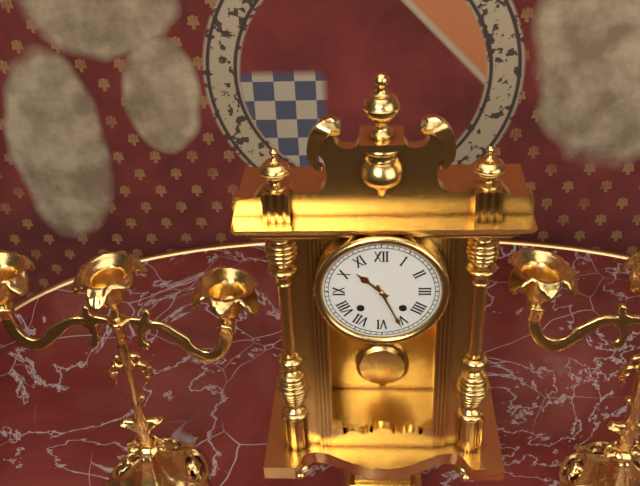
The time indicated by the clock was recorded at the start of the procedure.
10:26
